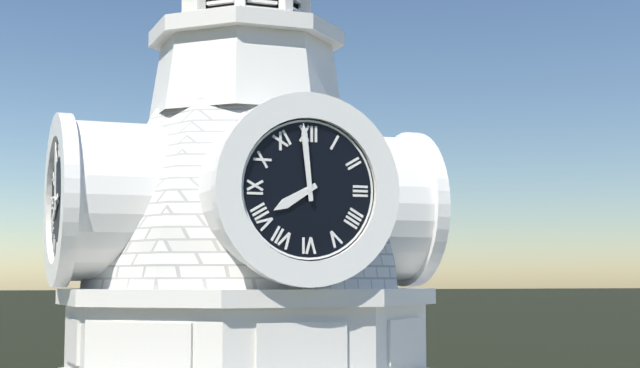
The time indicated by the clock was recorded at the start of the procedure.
7:59
